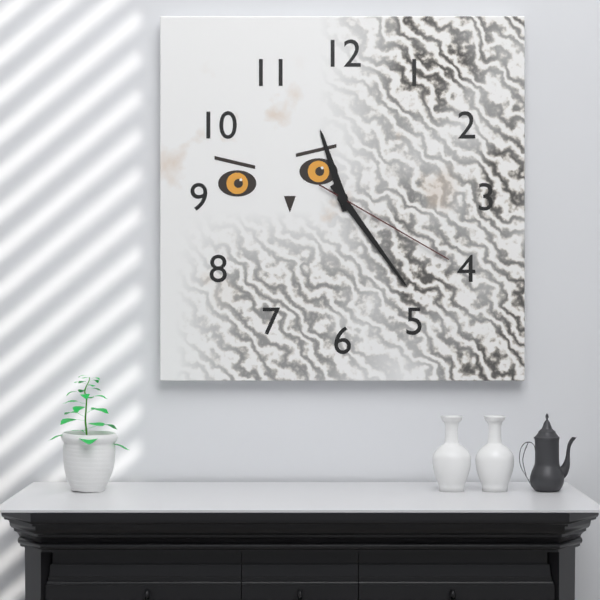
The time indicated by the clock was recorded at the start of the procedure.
11:24:20
